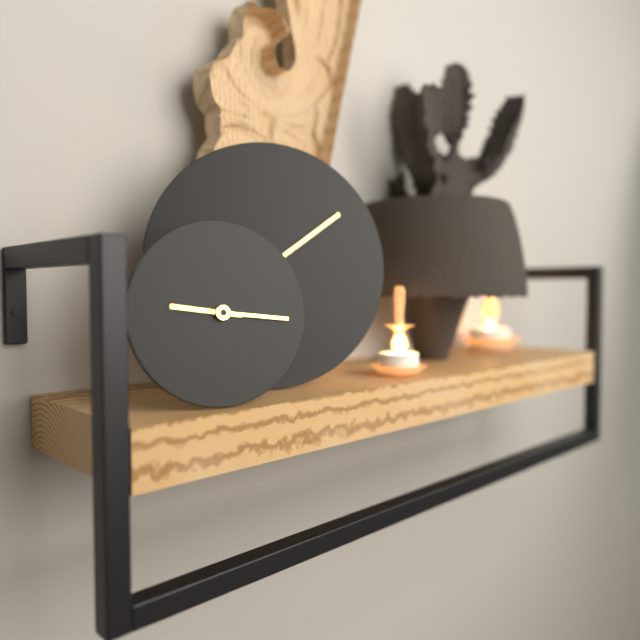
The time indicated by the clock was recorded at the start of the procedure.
9:16
